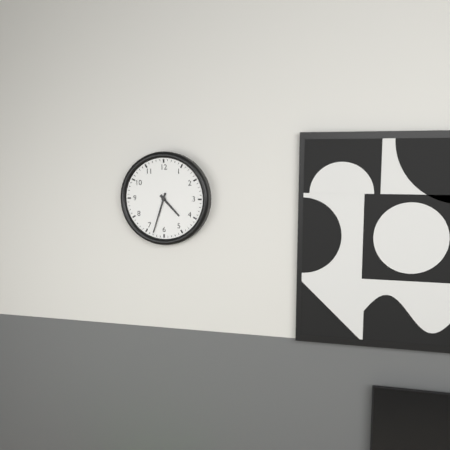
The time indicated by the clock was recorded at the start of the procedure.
4:33
